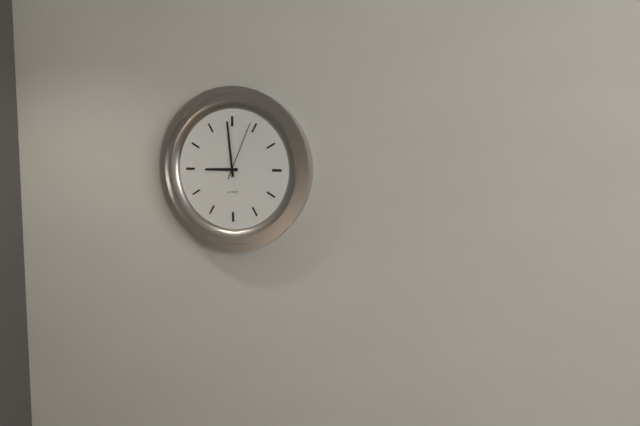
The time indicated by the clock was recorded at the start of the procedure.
8:59:04
